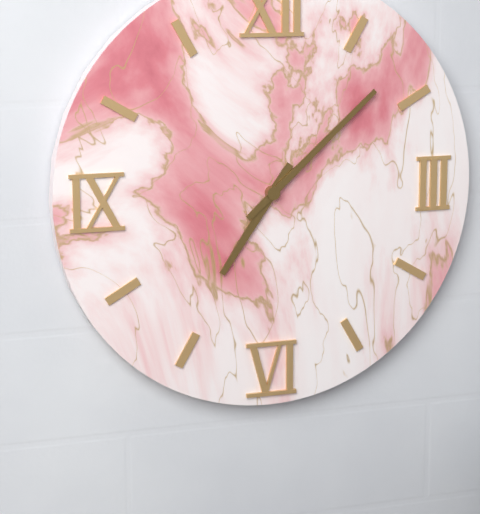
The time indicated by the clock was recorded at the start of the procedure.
7:08
